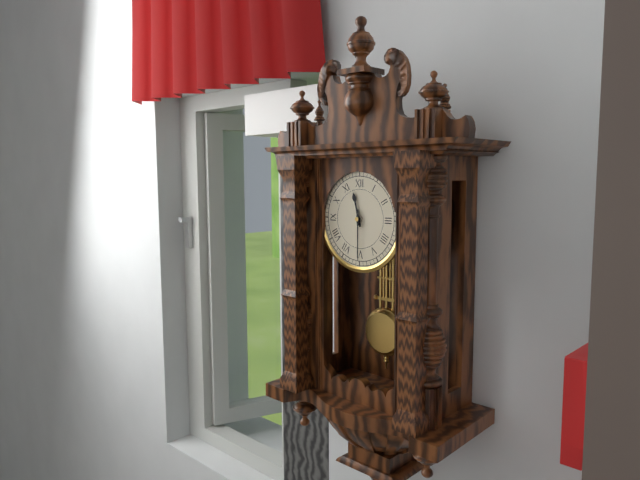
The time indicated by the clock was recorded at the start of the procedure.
11:30
